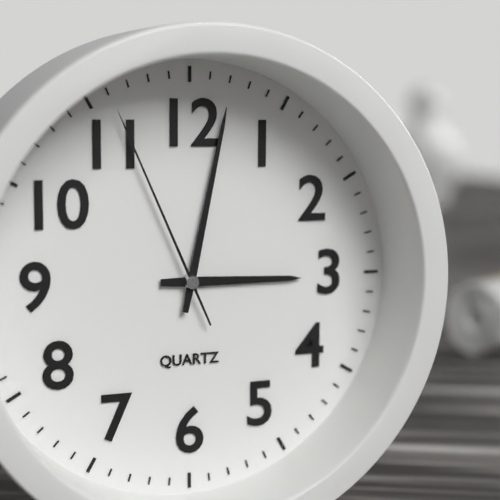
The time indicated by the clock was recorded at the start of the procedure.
3:02:56
